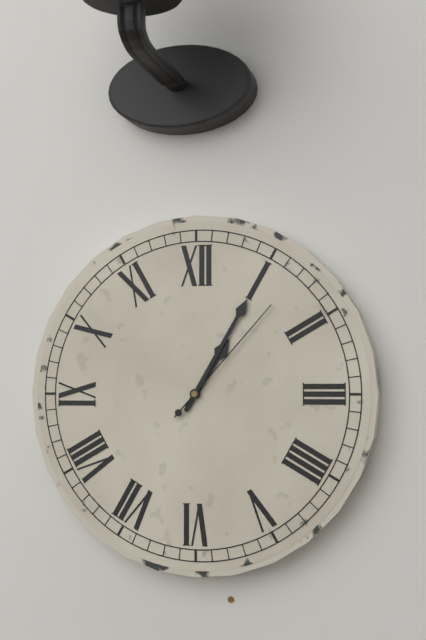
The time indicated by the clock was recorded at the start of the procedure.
1:05:07
